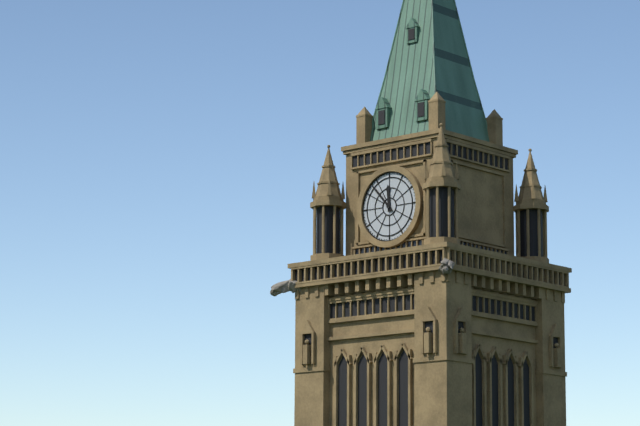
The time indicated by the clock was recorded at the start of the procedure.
11:53
